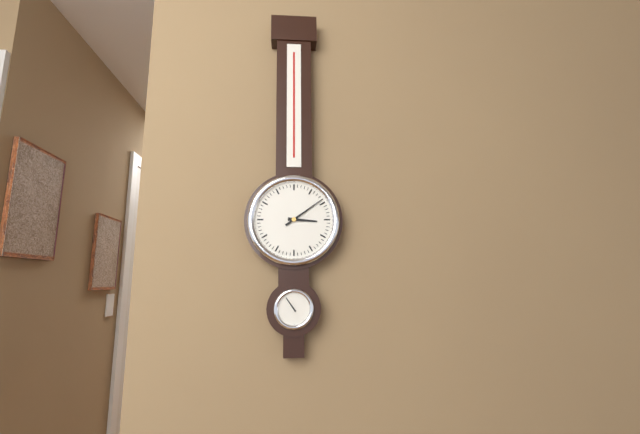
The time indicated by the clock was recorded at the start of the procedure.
3:09
